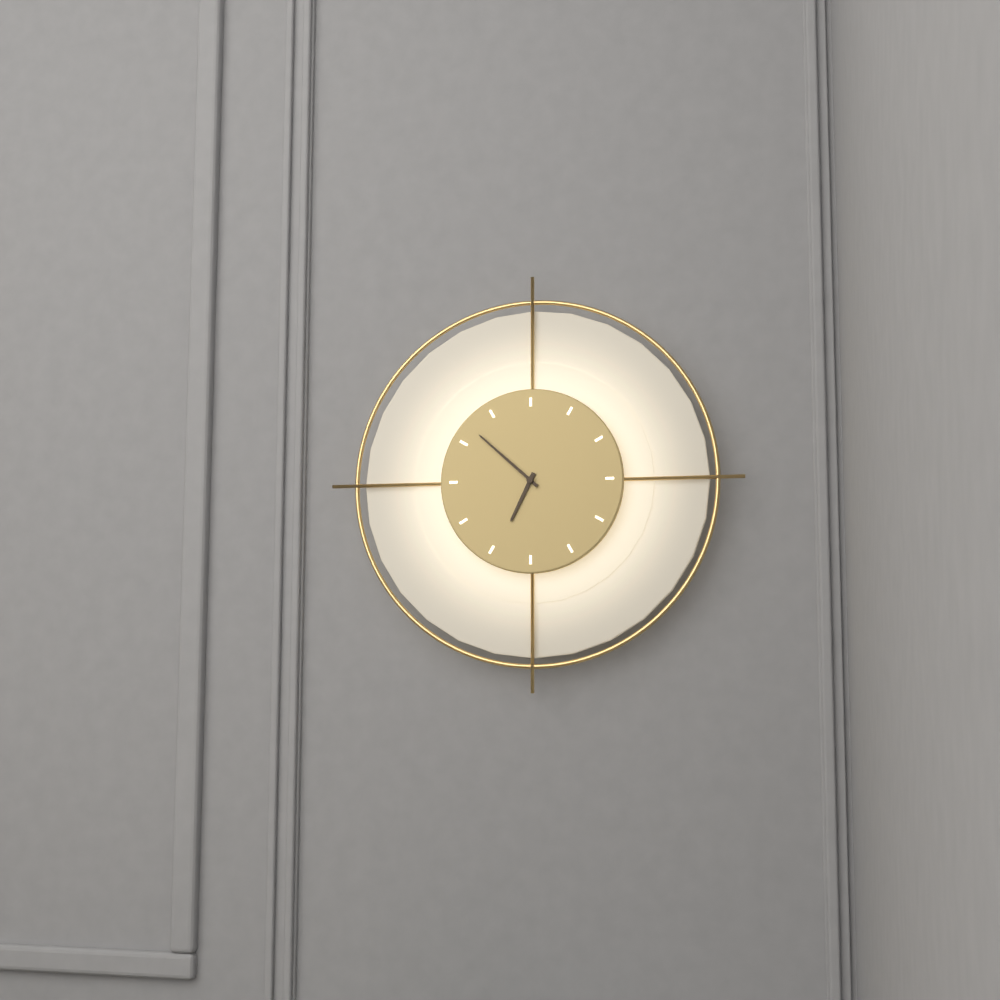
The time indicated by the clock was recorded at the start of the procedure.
6:52
